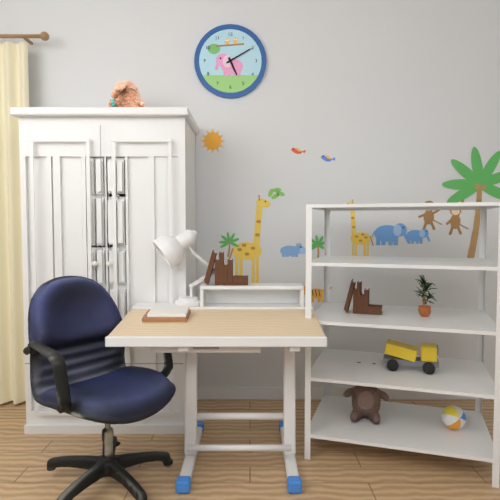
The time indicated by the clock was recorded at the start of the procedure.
5:10
